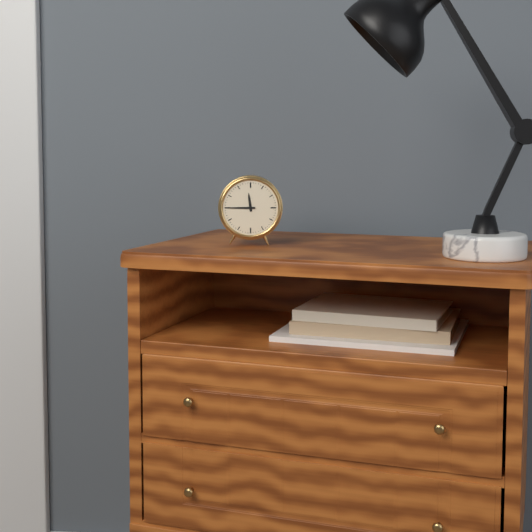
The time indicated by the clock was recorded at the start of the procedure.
11:45
